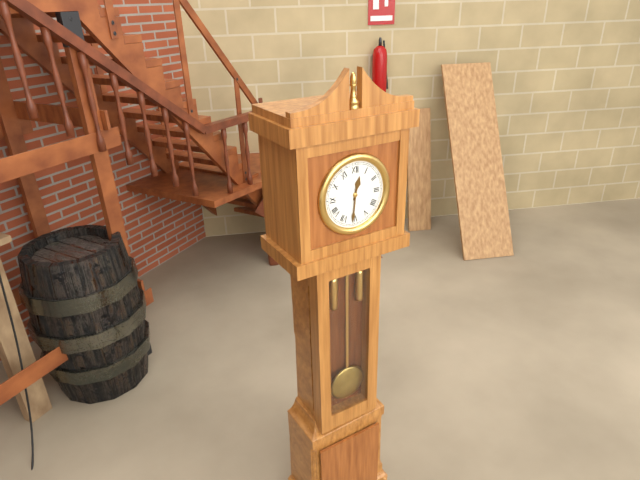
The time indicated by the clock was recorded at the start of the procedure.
12:31
